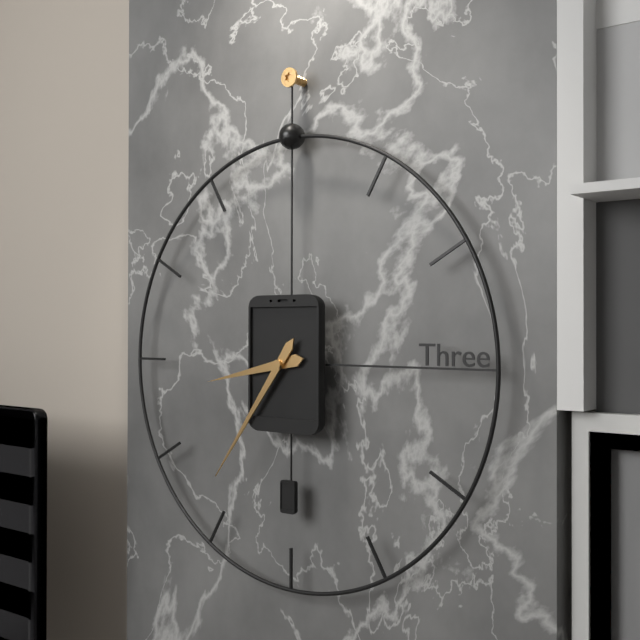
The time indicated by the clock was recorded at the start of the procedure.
8:36
